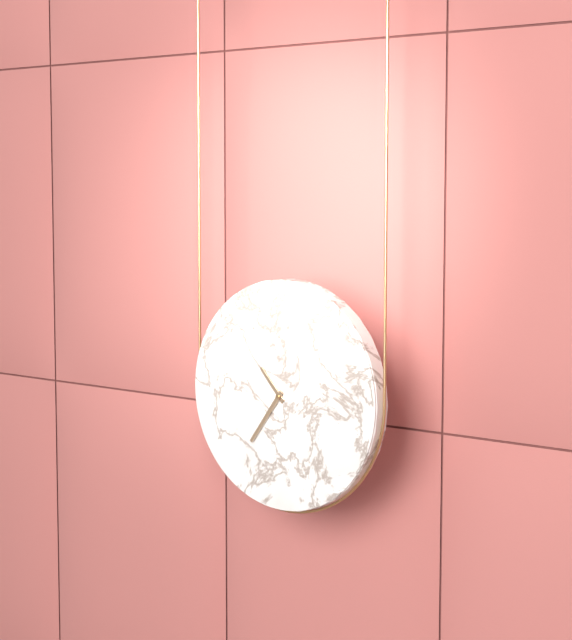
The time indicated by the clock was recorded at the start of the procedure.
10:36
